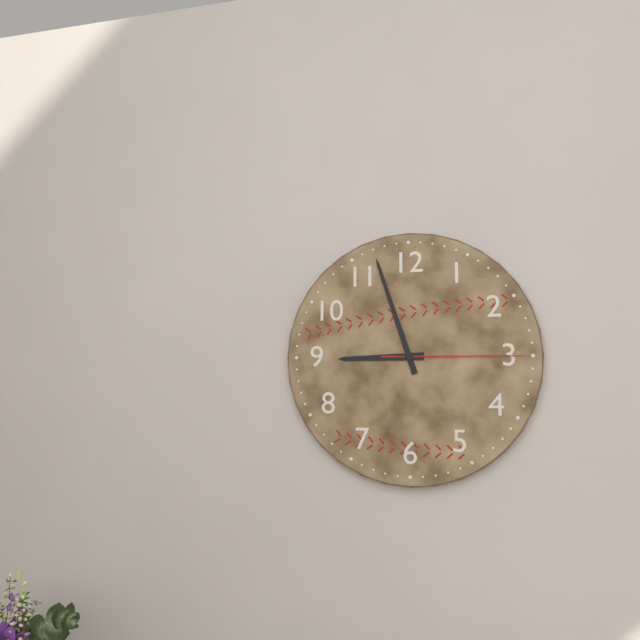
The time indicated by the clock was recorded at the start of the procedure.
8:57:15
